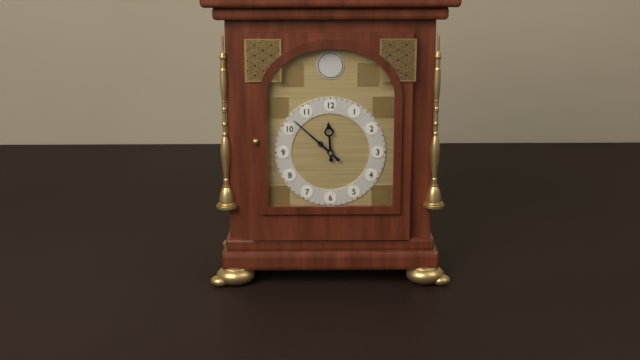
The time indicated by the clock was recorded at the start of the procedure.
11:52
